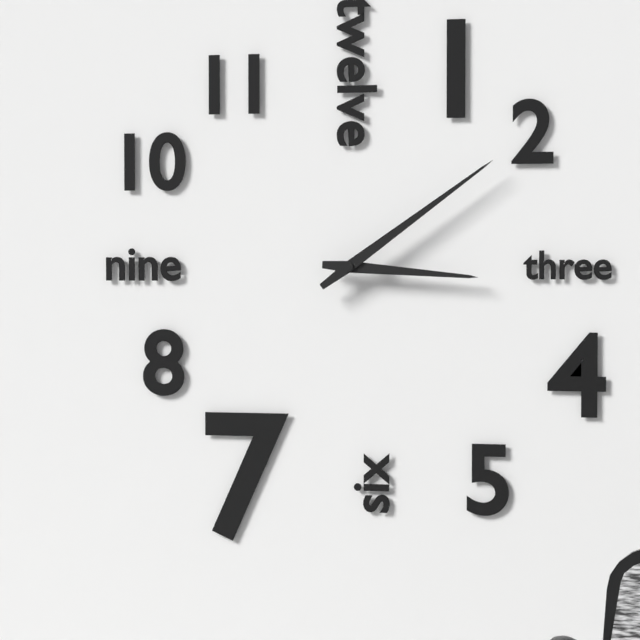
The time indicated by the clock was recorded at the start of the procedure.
3:09
